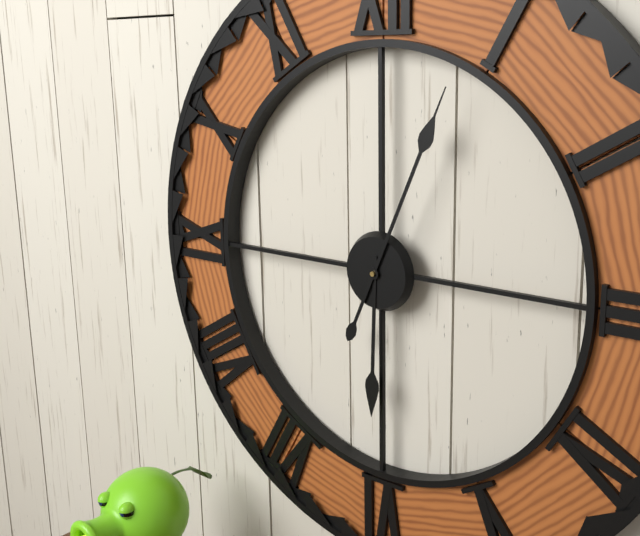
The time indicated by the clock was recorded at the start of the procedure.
6:04
